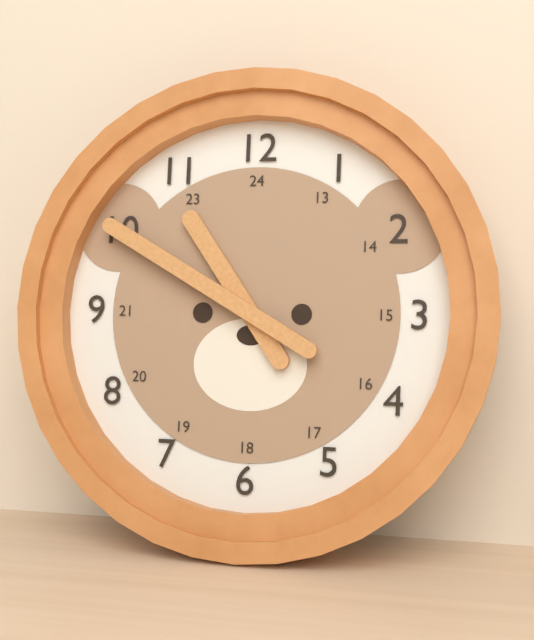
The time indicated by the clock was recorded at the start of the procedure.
10:50
